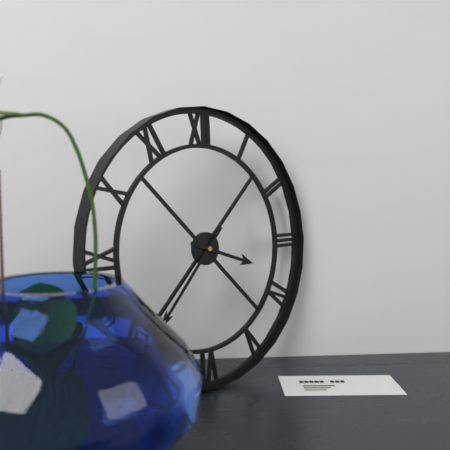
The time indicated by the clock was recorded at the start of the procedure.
3:37
